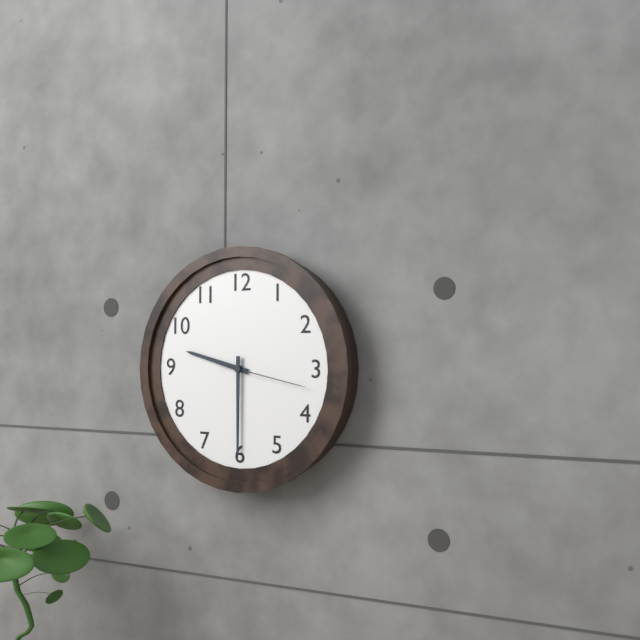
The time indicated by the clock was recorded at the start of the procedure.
9:30:17
